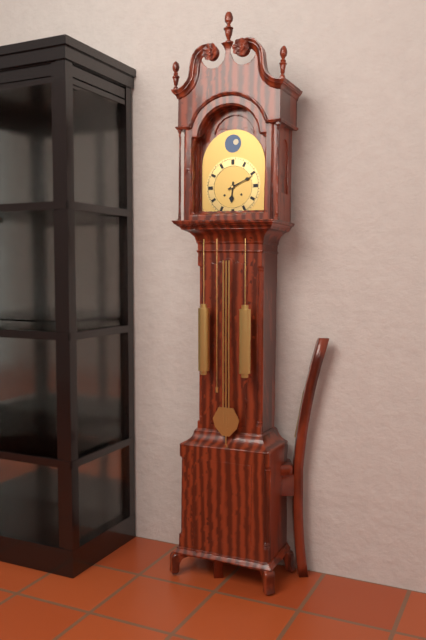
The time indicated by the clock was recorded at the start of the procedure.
6:11
